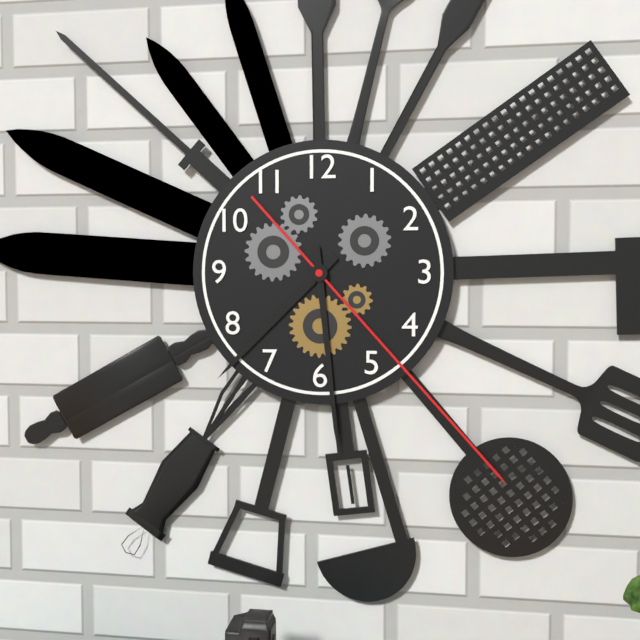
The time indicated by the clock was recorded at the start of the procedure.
7:29:23
